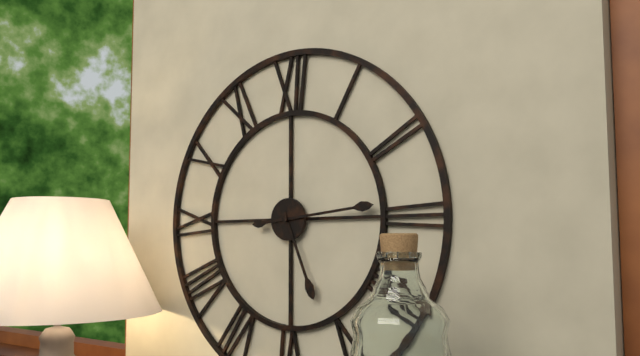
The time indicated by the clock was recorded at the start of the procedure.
5:14
